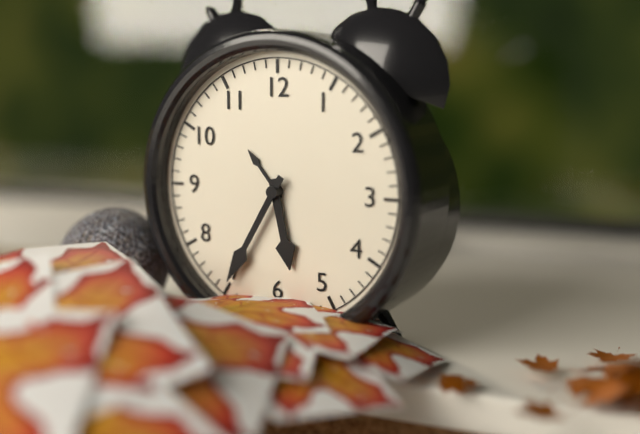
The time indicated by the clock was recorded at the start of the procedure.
5:35
